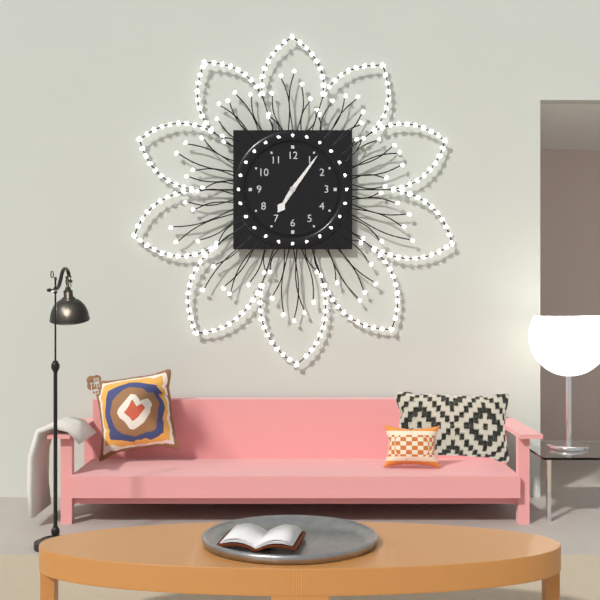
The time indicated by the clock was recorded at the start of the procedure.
7:06
